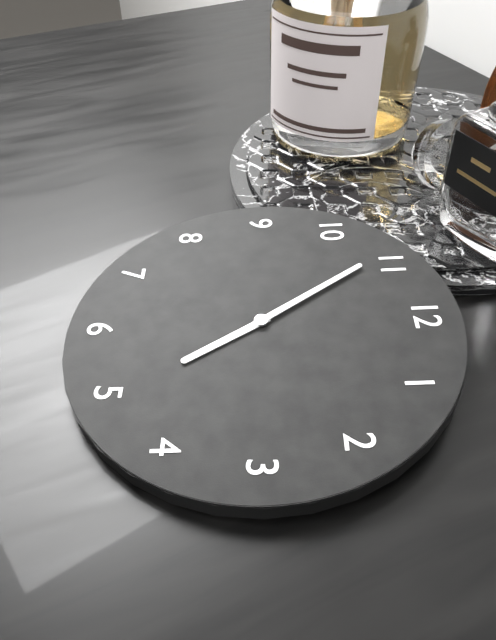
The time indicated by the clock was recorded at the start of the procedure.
4:54
